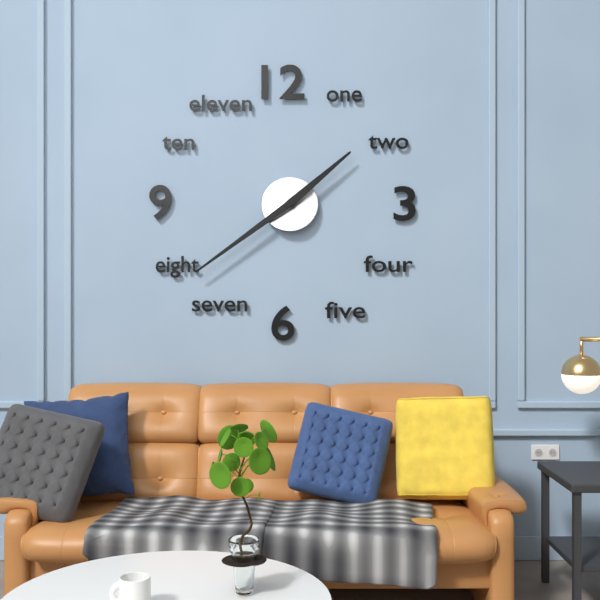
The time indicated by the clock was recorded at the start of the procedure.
1:39
